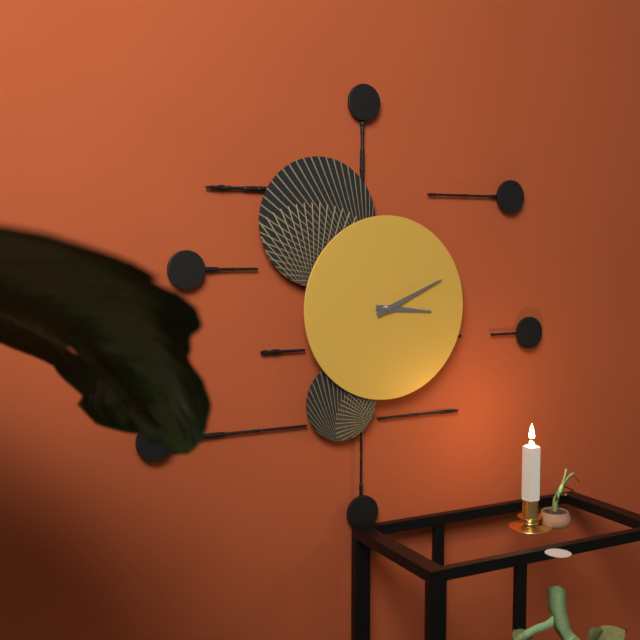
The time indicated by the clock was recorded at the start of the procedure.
3:11
